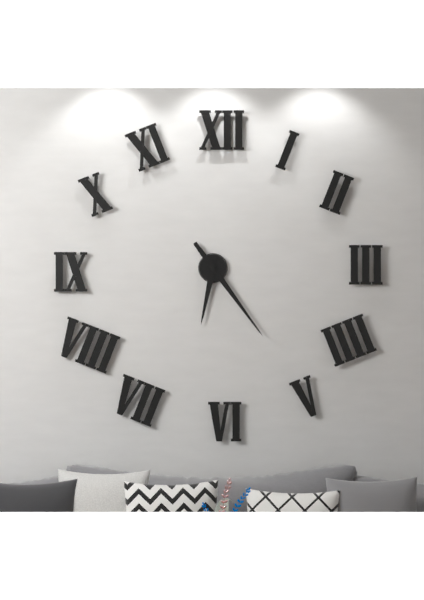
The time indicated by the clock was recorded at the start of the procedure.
6:24
